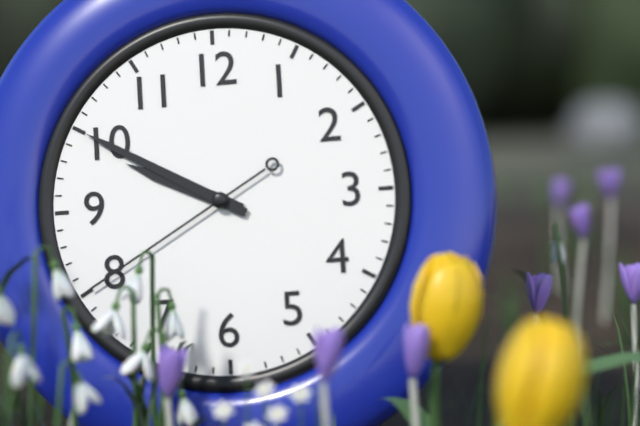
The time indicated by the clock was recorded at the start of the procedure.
9:50:40
